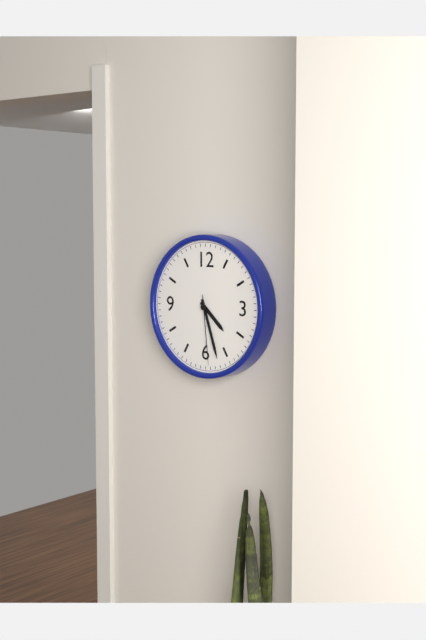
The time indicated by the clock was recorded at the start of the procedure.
4:27:29
